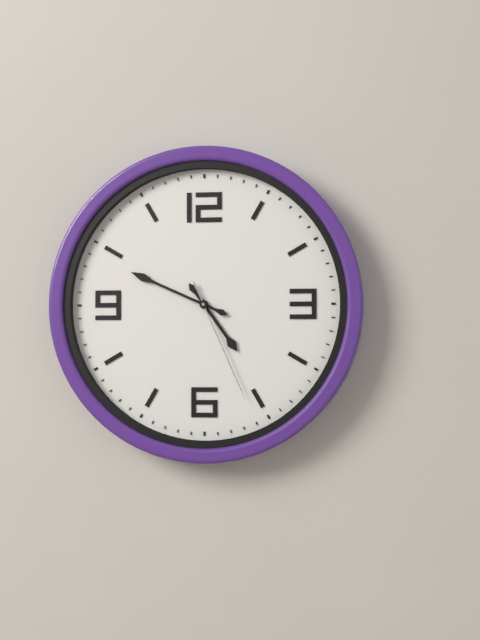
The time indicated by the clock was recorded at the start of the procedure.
4:49:26
